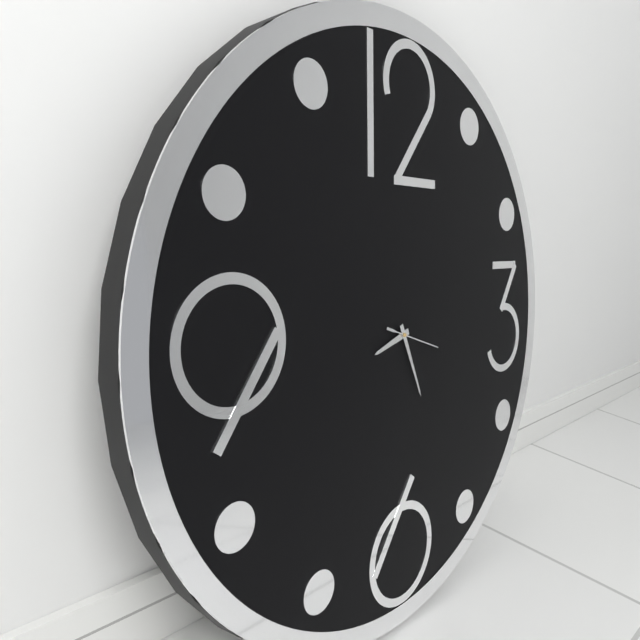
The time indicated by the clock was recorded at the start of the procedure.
8:26
